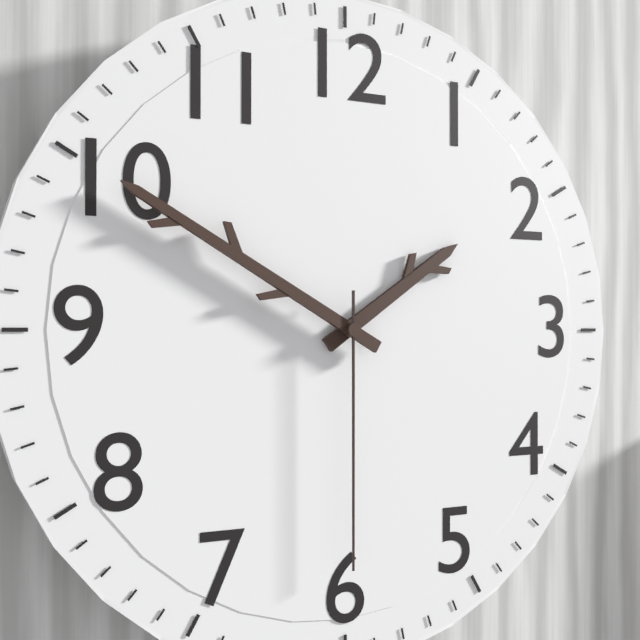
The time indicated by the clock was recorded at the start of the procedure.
1:50:30
